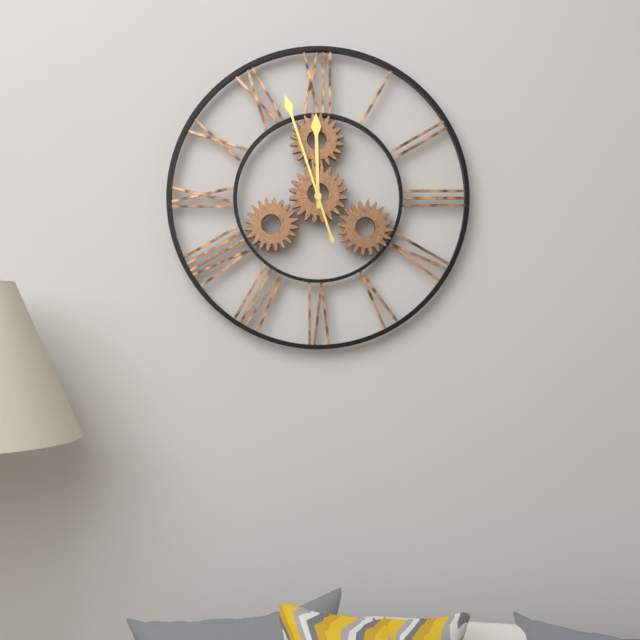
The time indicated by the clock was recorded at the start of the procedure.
11:57
